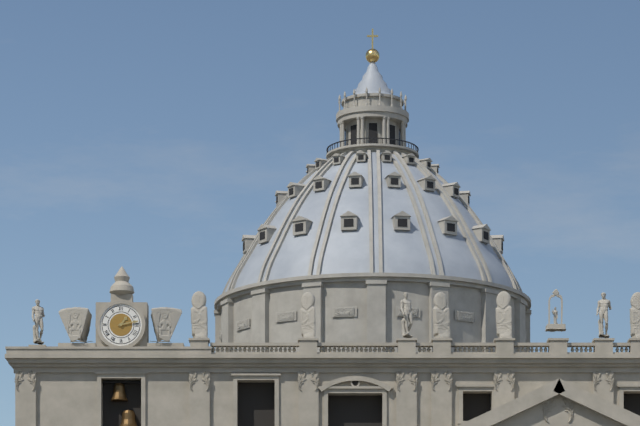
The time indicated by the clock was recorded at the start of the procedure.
1:13
